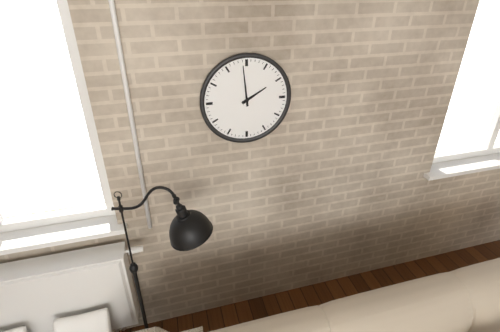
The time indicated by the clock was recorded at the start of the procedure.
1:59
